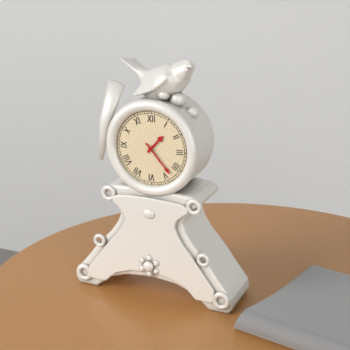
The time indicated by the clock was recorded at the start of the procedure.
1:23
